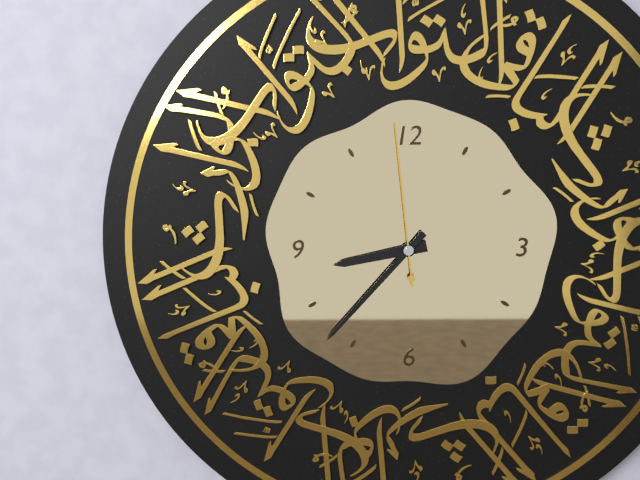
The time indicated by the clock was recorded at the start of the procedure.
8:37:59
